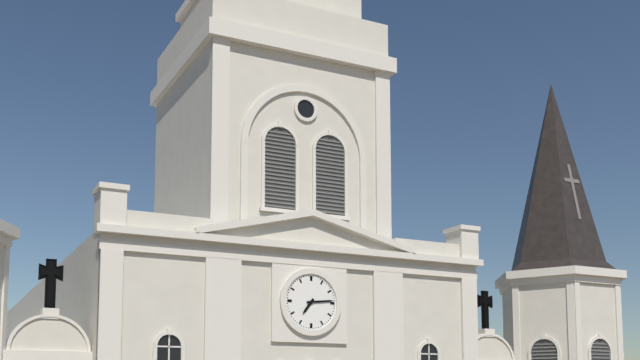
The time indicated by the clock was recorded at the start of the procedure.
7:14
